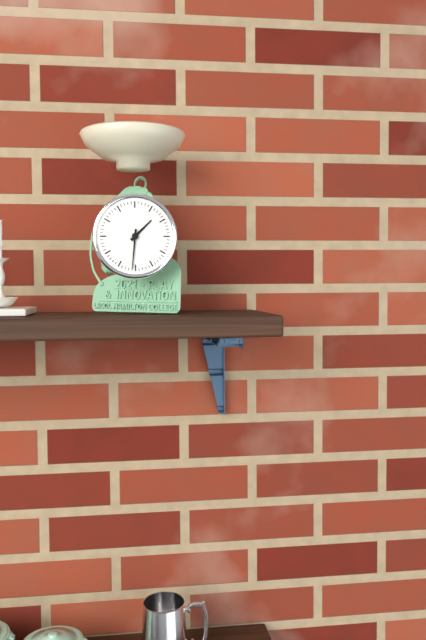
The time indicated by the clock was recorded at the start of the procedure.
1:31
